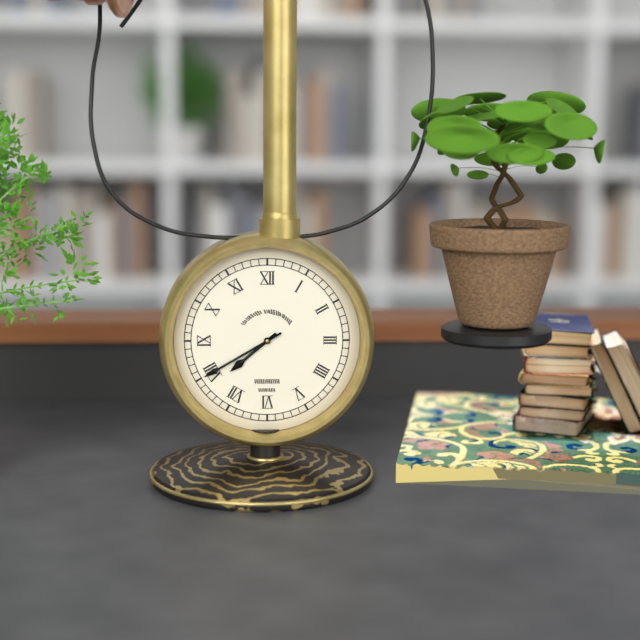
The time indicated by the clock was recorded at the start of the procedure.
7:40
